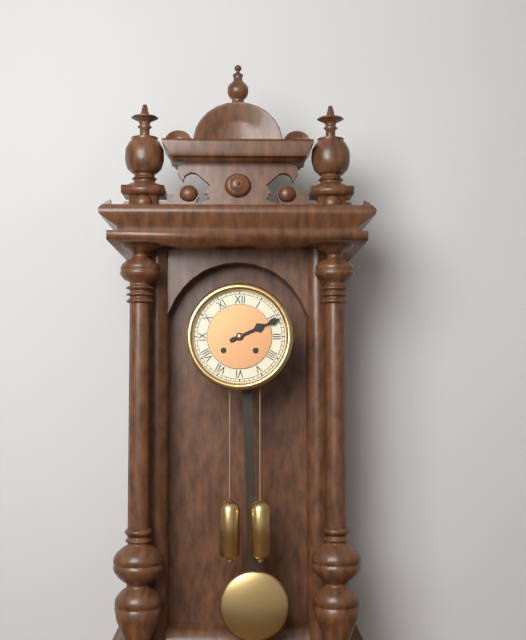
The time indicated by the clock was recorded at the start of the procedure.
2:11
